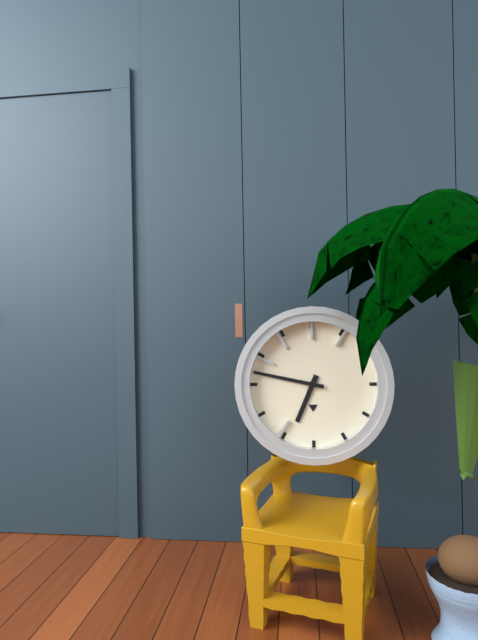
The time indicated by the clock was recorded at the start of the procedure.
6:47
